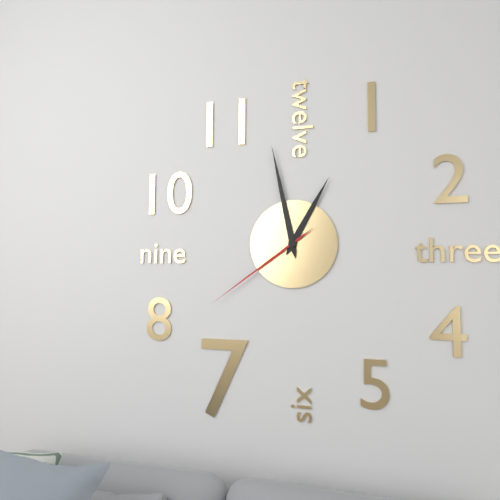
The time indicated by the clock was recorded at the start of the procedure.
12:58:39
